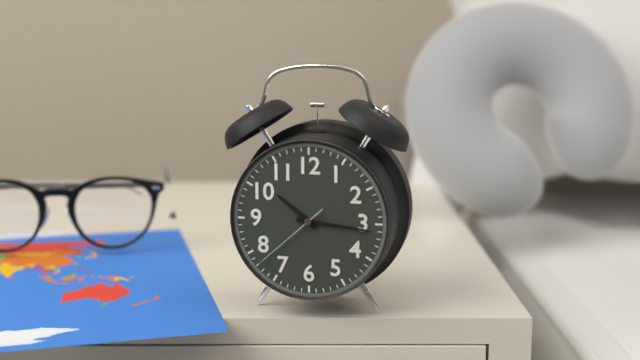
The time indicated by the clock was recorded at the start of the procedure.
10:16:38
